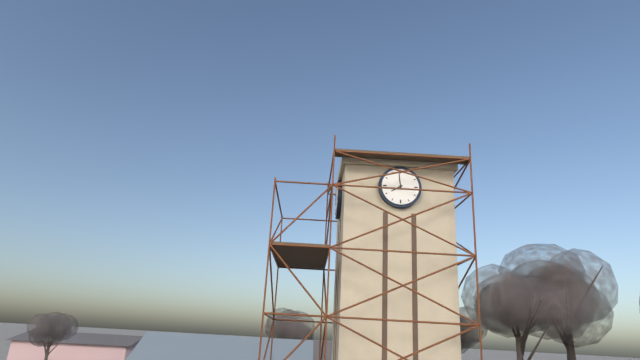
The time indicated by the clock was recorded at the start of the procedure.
7:59
